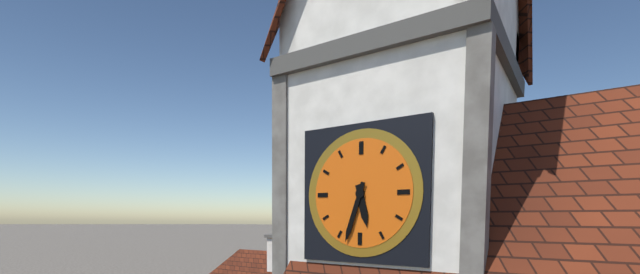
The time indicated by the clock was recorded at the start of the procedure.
5:33
